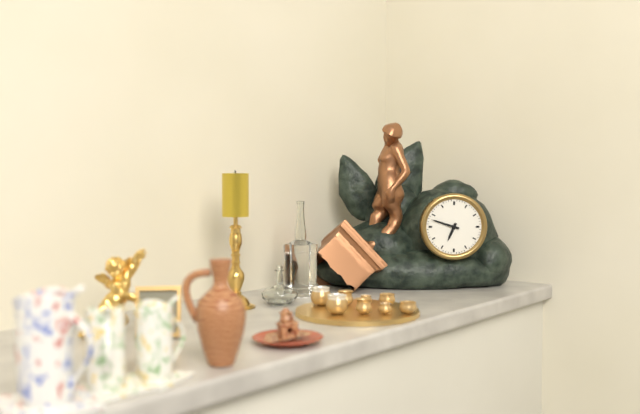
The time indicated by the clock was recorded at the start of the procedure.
6:48
